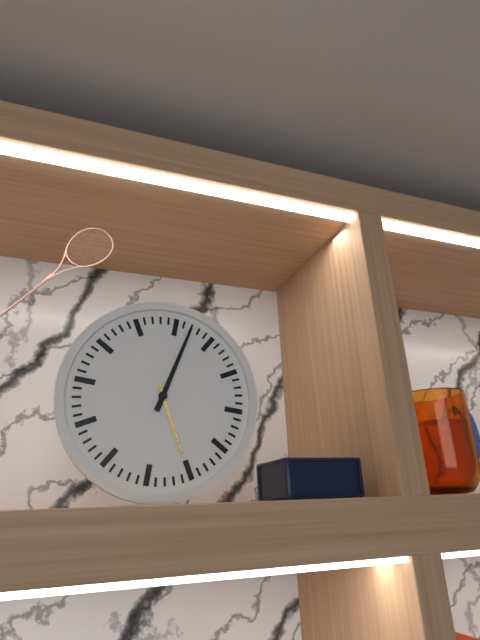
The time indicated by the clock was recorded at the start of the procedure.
5:02
